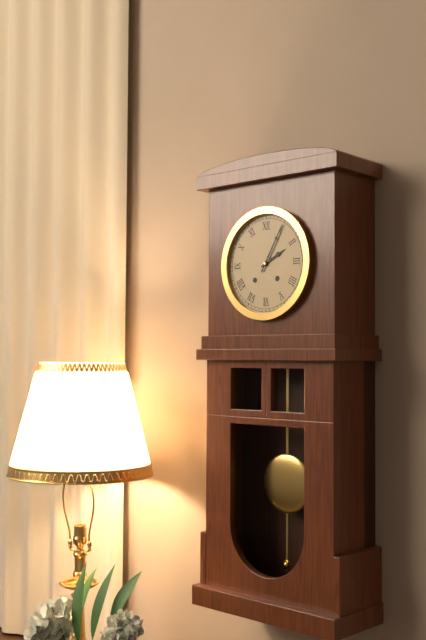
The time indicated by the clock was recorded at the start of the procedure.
2:05
